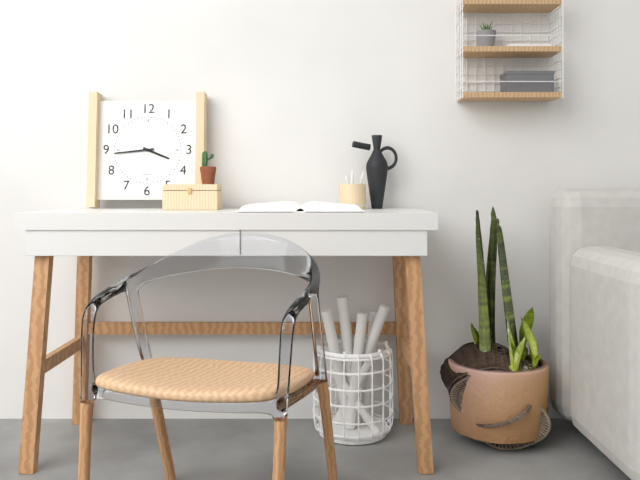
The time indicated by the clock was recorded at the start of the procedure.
3:44
